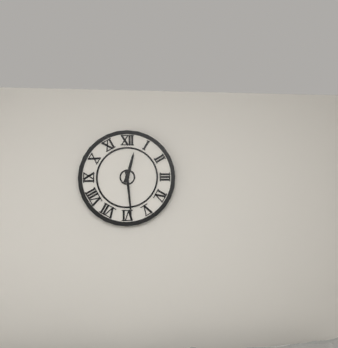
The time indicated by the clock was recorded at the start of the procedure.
12:29
